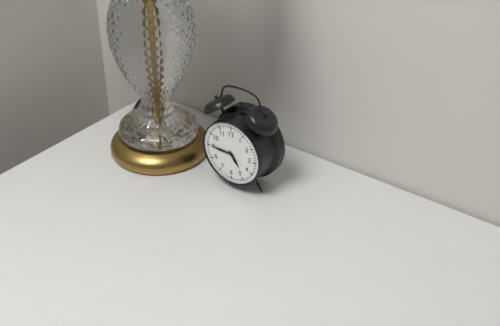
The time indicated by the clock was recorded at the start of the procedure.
4:45
